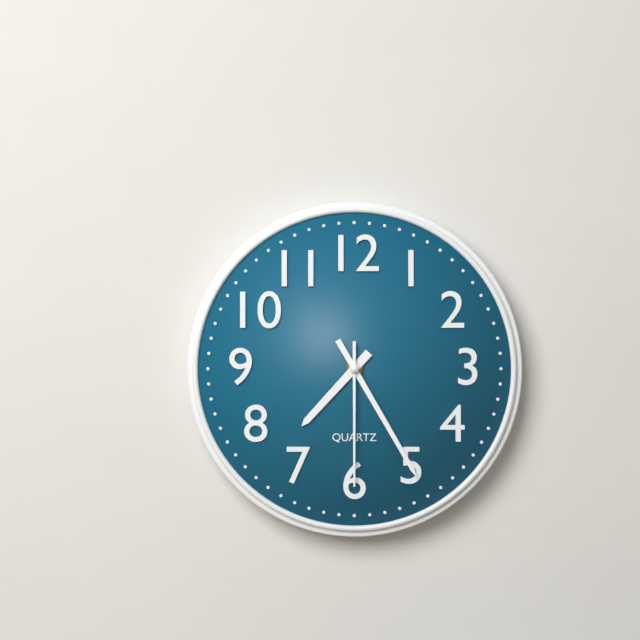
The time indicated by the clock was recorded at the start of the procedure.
7:25:30
